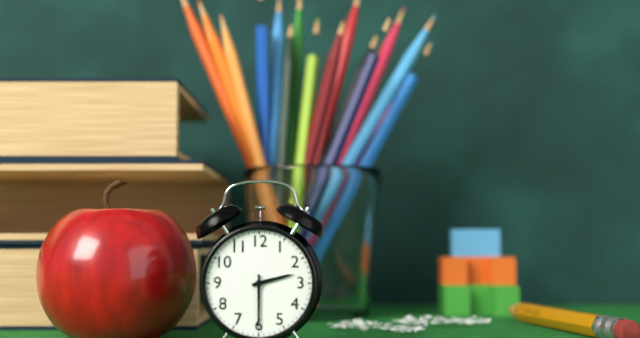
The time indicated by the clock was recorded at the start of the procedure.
2:30
